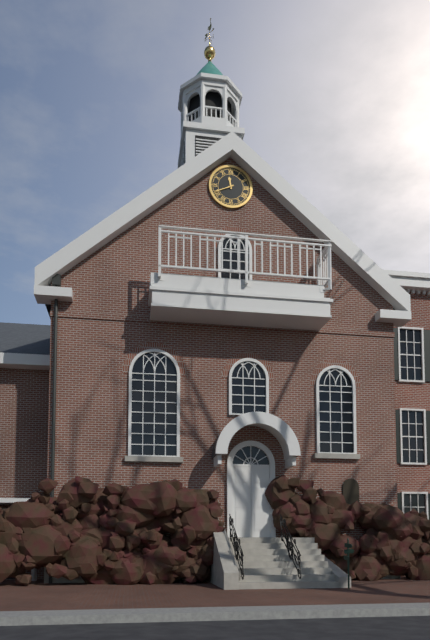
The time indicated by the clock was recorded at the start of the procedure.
11:41
